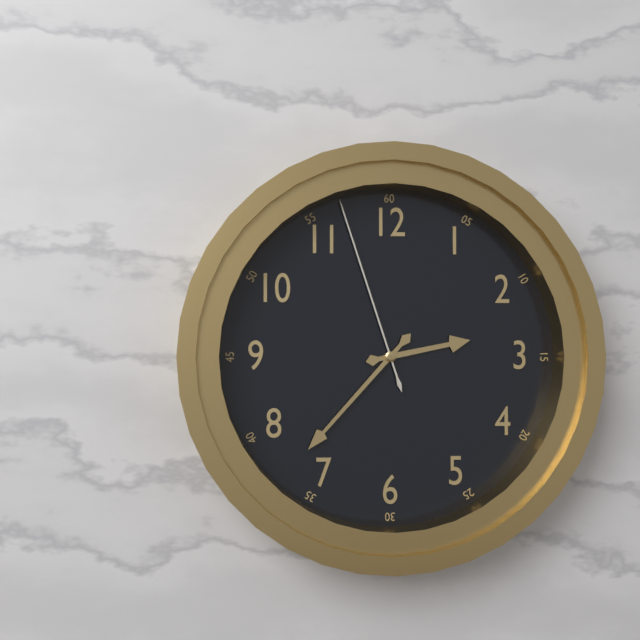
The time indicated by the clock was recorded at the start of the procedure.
2:37:57
